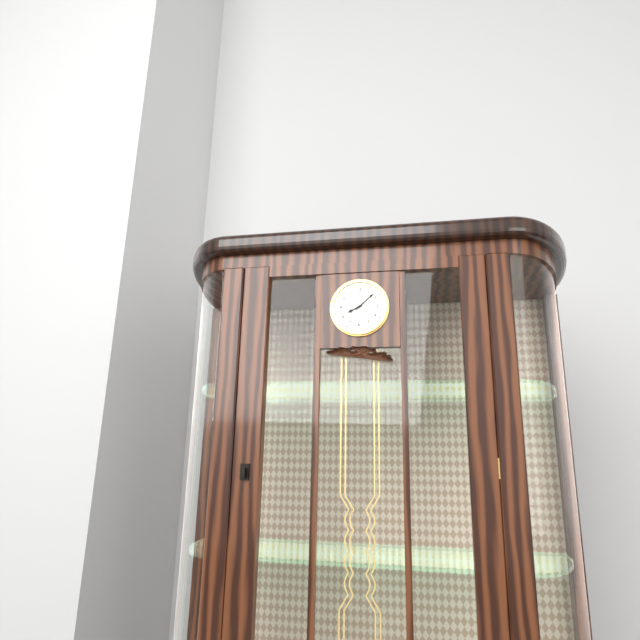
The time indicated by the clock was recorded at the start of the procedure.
8:08
